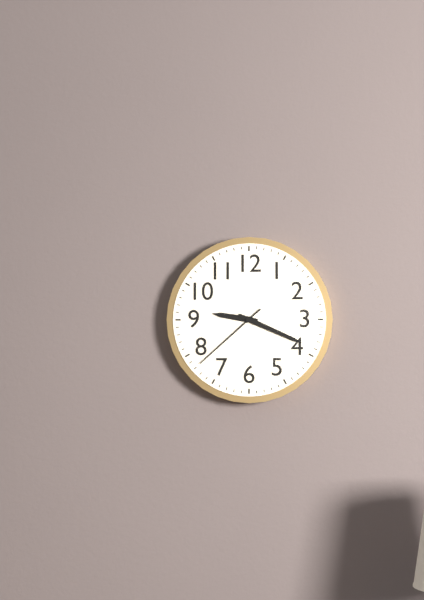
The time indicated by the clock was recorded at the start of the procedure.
9:19:38
